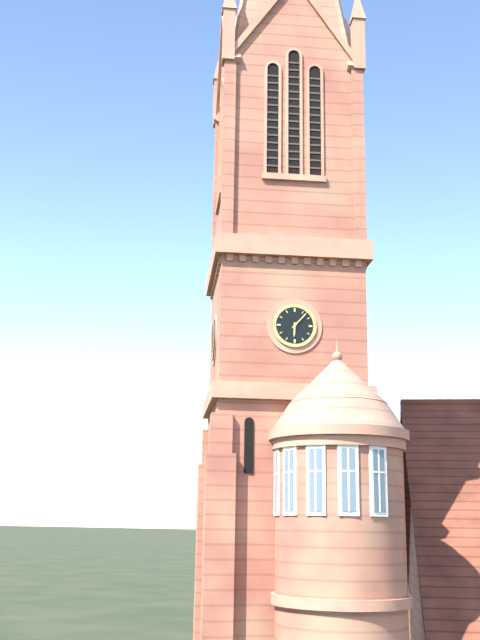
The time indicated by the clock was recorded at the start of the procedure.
6:07
